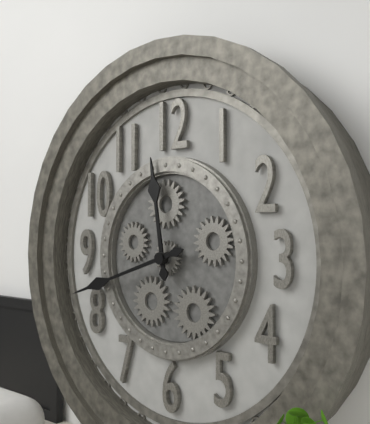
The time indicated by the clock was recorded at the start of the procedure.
11:42
